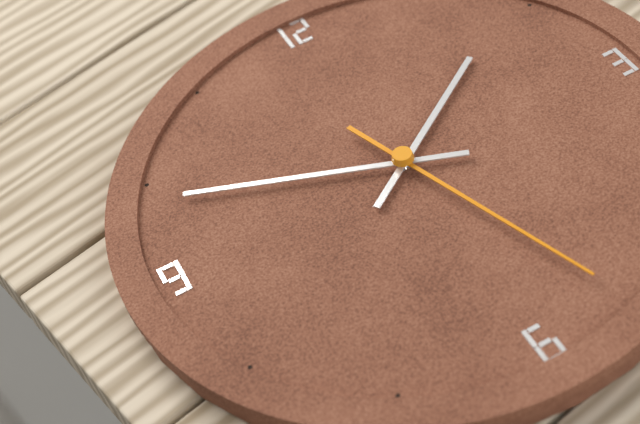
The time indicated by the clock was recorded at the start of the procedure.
1:49:27
